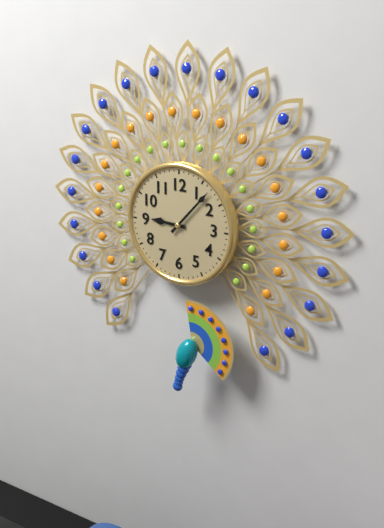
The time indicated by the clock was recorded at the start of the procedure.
9:07
